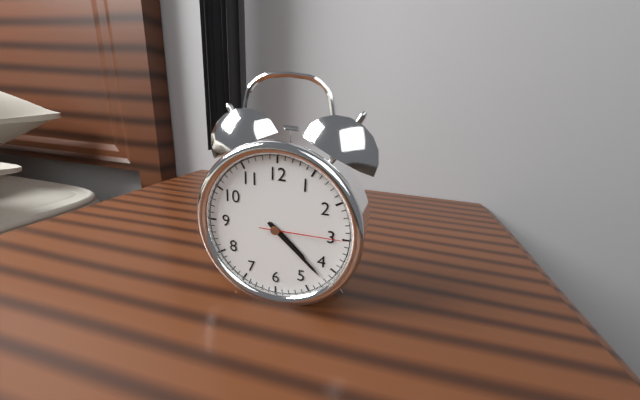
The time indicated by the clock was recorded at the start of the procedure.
4:22:15
